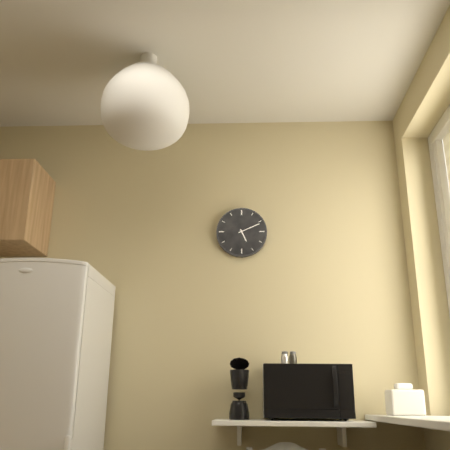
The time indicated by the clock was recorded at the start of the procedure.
5:11
